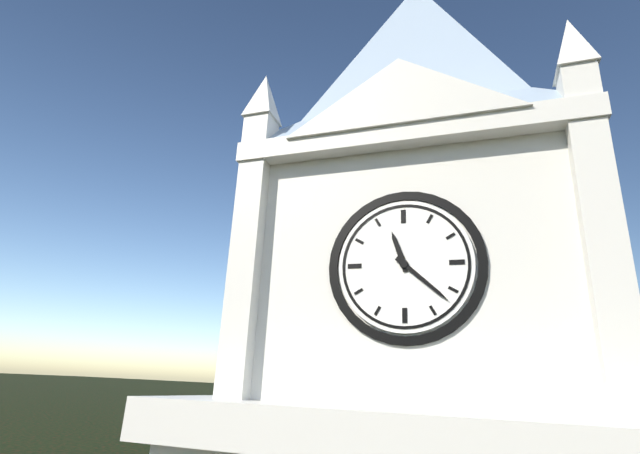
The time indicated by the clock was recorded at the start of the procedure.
11:22
